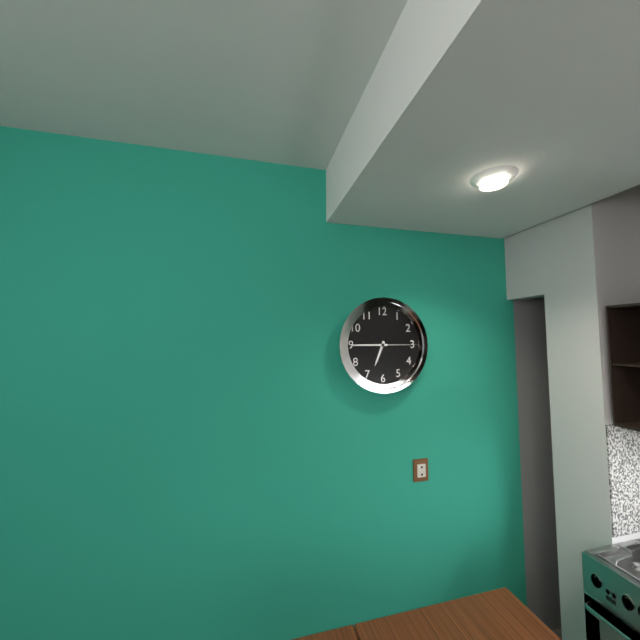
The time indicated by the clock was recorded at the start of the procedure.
6:45
